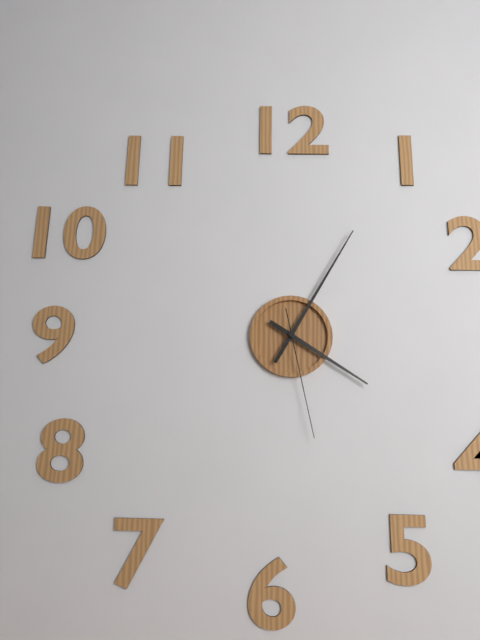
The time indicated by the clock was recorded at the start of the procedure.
4:05:28
